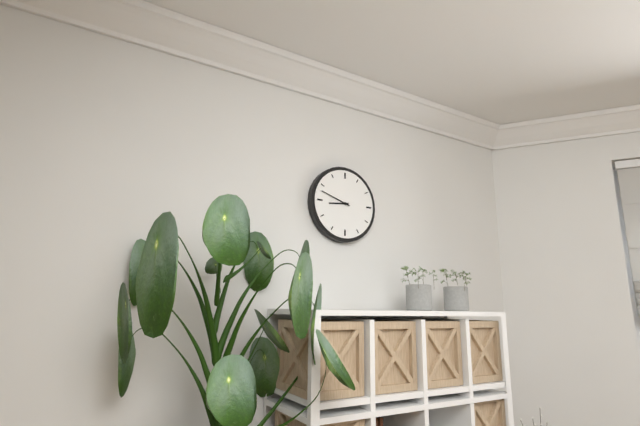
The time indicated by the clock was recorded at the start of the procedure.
8:48
